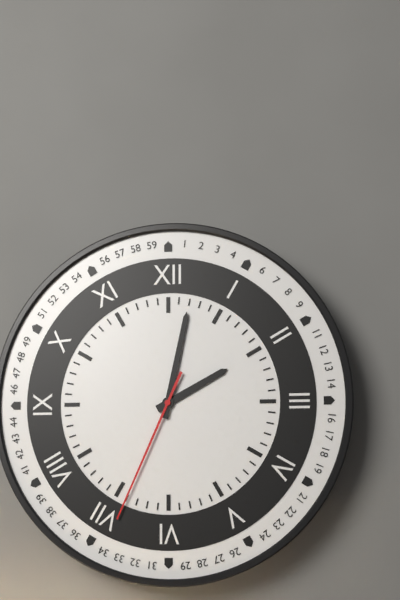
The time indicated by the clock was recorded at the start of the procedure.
2:02:34
